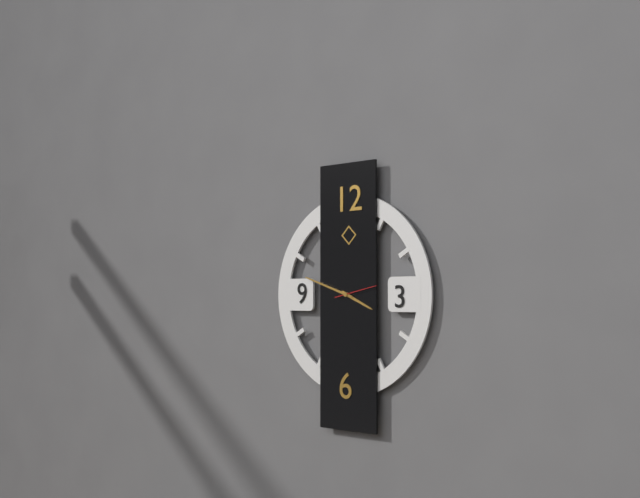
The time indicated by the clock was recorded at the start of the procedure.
3:48
